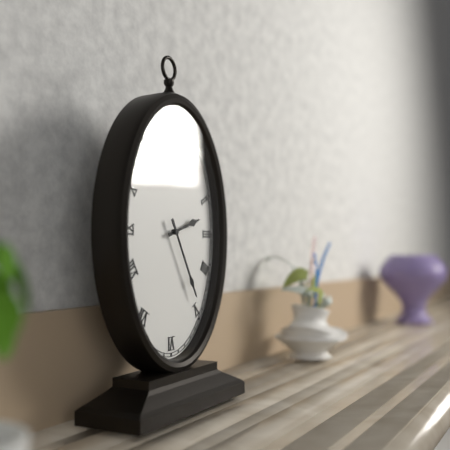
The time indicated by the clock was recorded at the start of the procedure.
2:25
